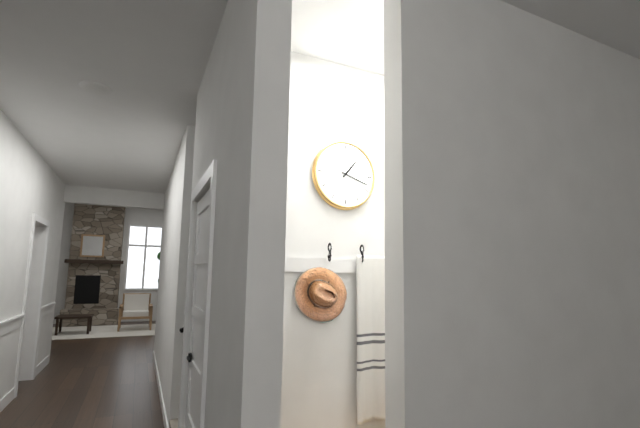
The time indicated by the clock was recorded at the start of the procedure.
1:18
